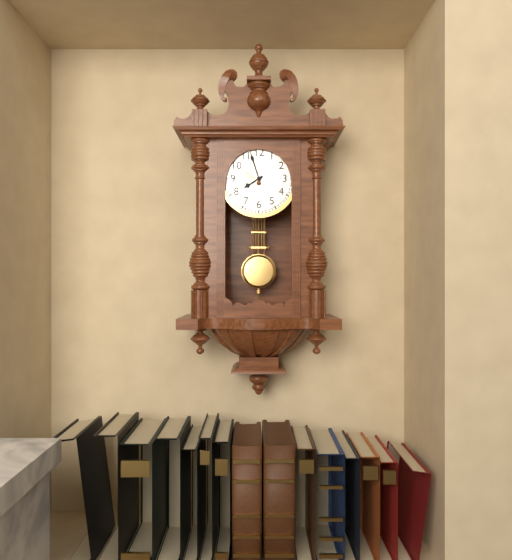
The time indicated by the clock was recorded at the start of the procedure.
7:57
